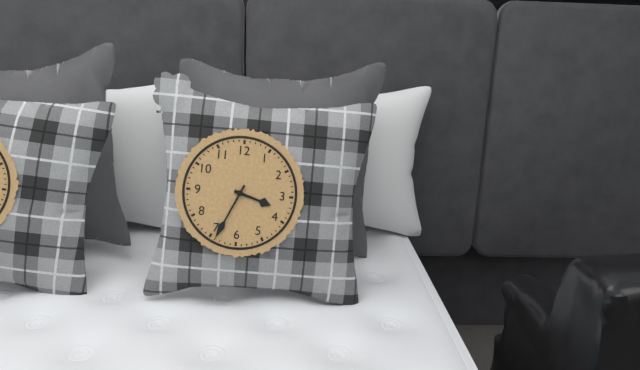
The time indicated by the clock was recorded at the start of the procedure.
3:34
